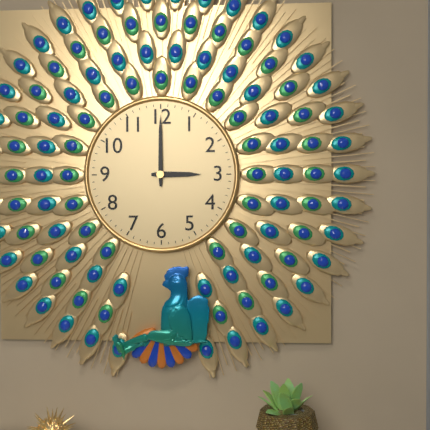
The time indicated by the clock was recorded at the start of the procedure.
3:00
